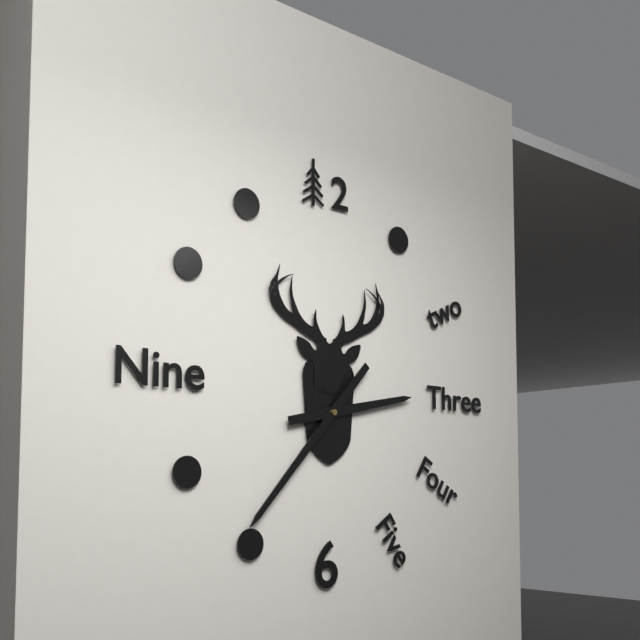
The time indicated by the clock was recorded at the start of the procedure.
2:37
